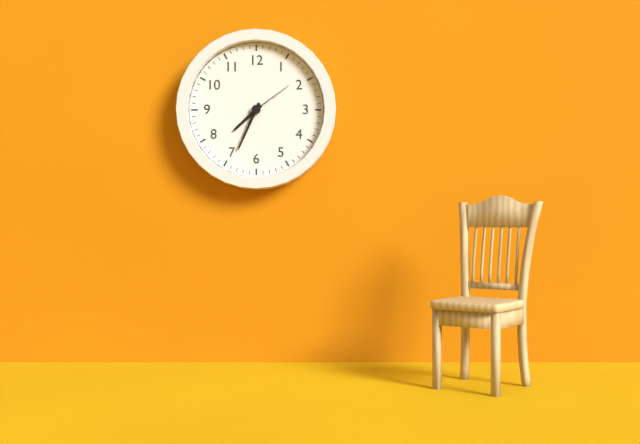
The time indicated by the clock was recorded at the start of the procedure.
7:34:09
